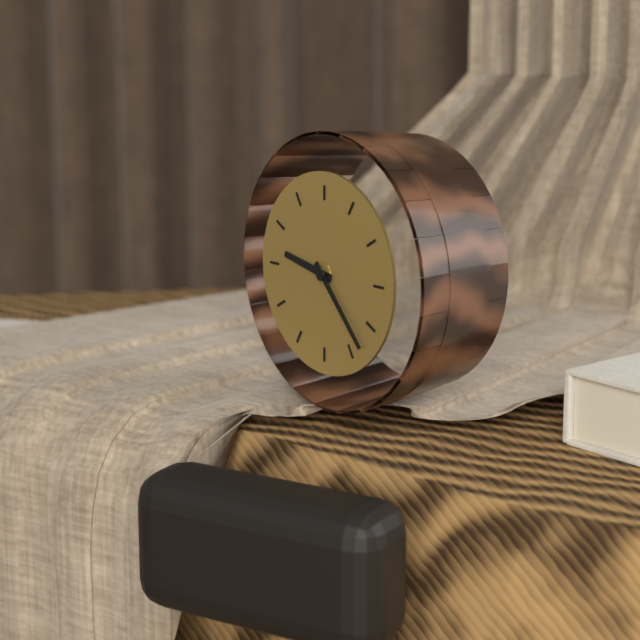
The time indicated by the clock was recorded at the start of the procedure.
9:23
